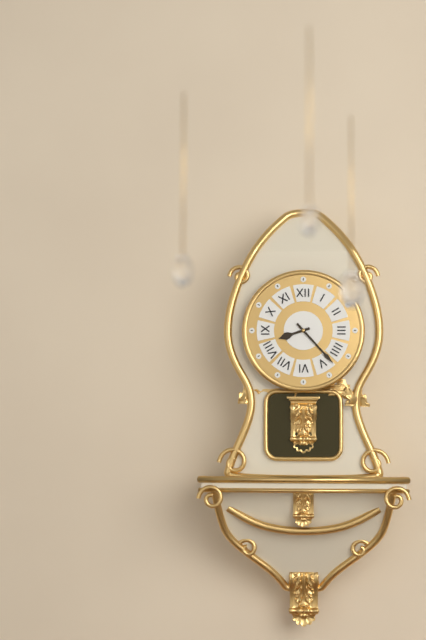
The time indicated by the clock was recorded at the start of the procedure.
8:23
